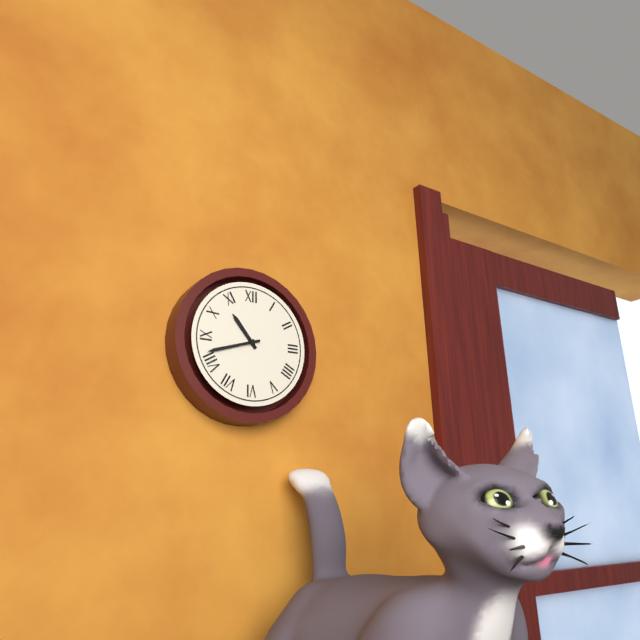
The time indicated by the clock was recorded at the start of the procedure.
10:42
